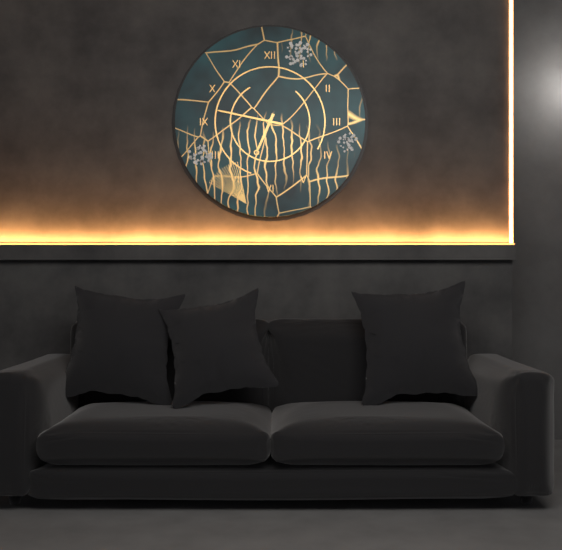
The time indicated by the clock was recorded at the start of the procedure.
6:47
